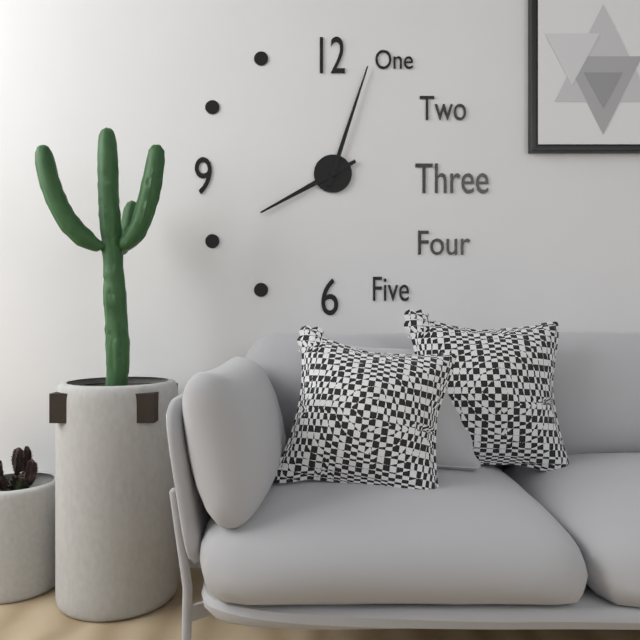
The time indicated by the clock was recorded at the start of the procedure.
8:03
